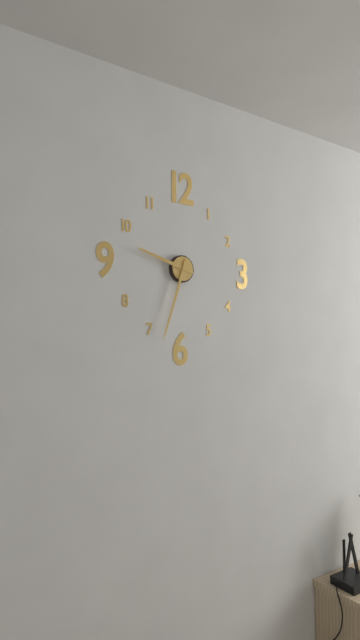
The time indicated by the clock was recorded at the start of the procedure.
9:33
